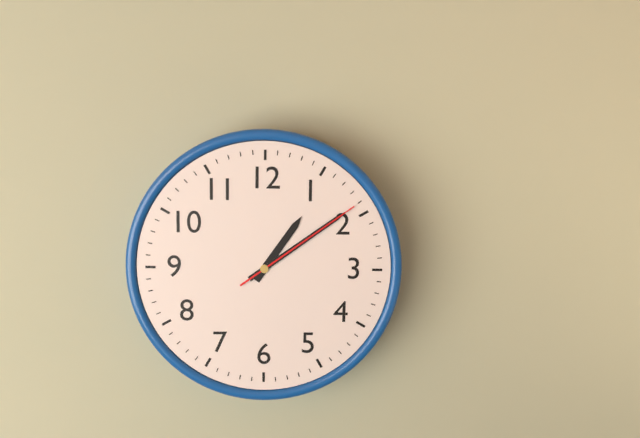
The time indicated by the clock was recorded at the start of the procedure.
1:09:09
